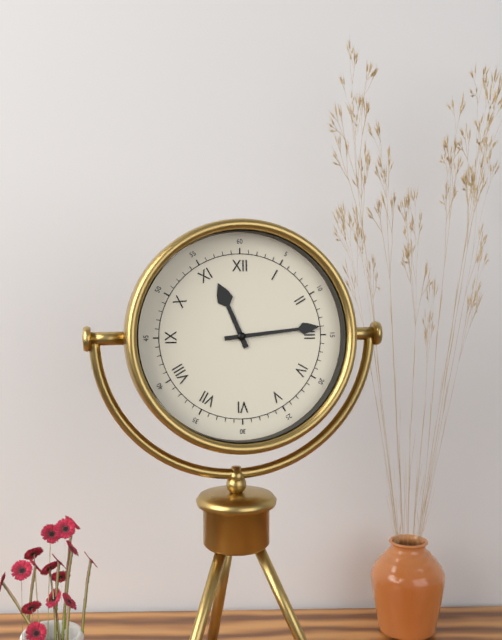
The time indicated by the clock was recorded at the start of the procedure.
11:14
